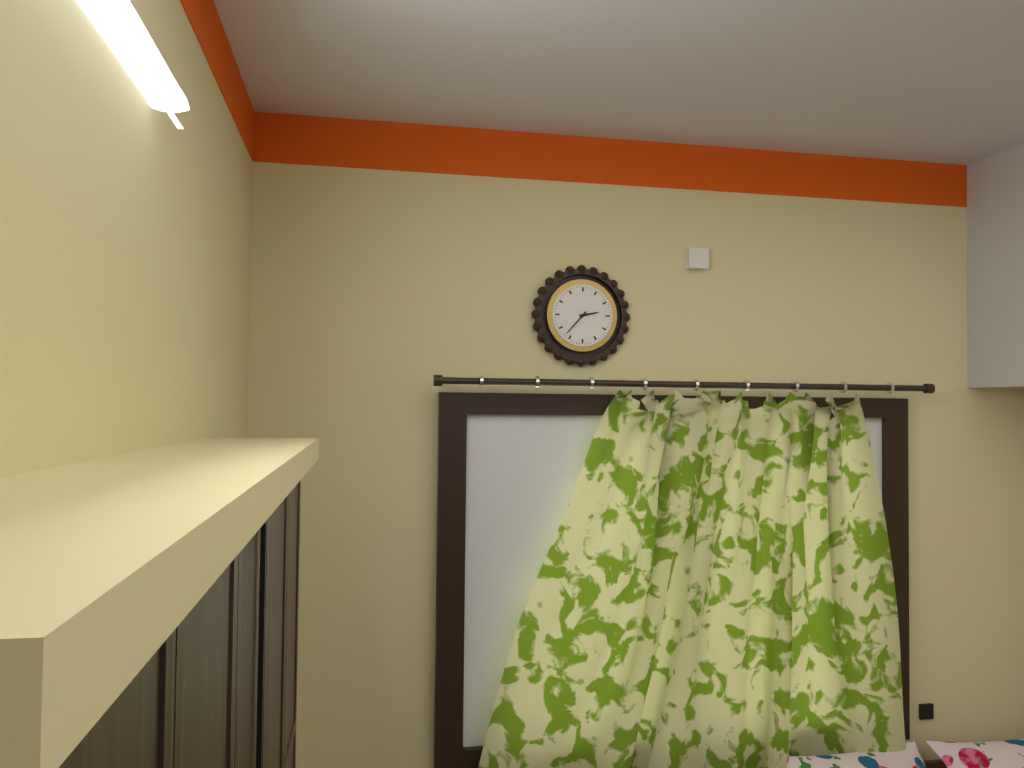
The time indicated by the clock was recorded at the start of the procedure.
2:37
